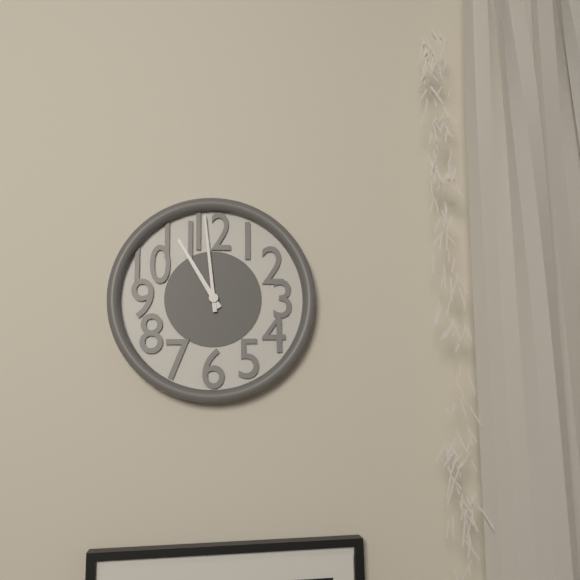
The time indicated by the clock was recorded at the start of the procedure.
10:59
